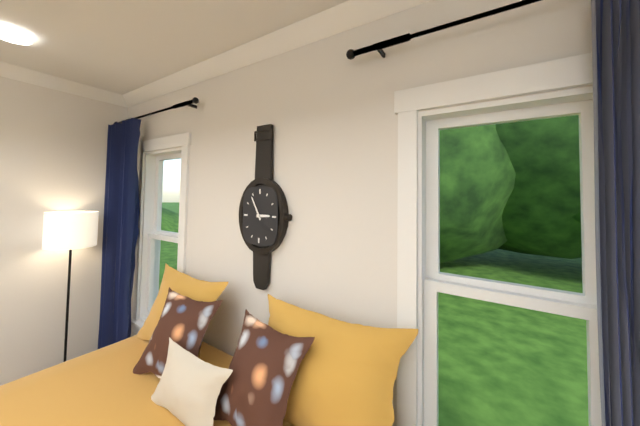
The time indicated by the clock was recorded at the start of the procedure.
2:55
